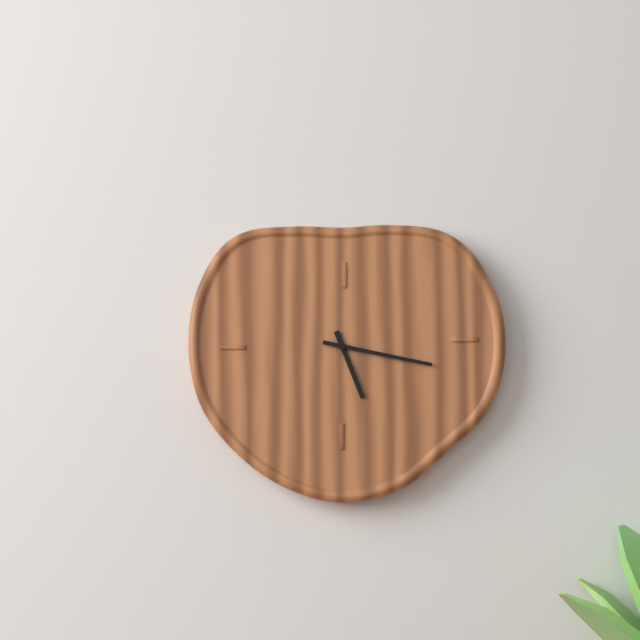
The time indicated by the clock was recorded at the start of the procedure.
5:17
